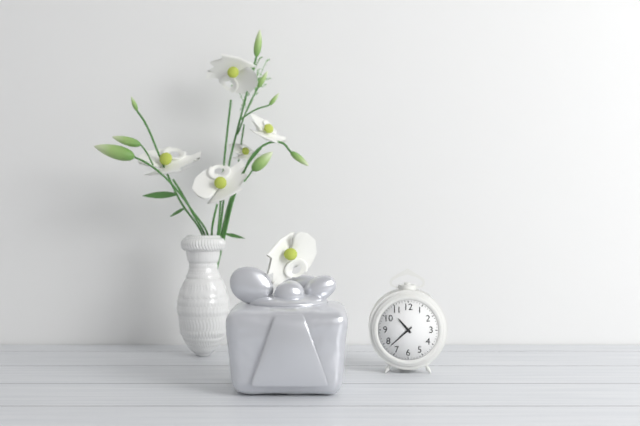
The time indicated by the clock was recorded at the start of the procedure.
10:38
